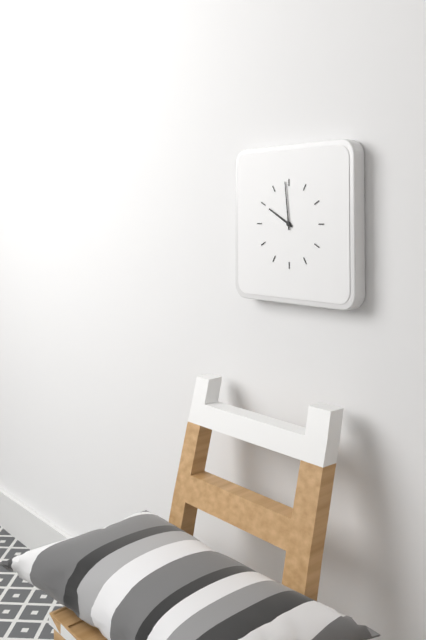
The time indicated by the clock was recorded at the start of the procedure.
9:59
